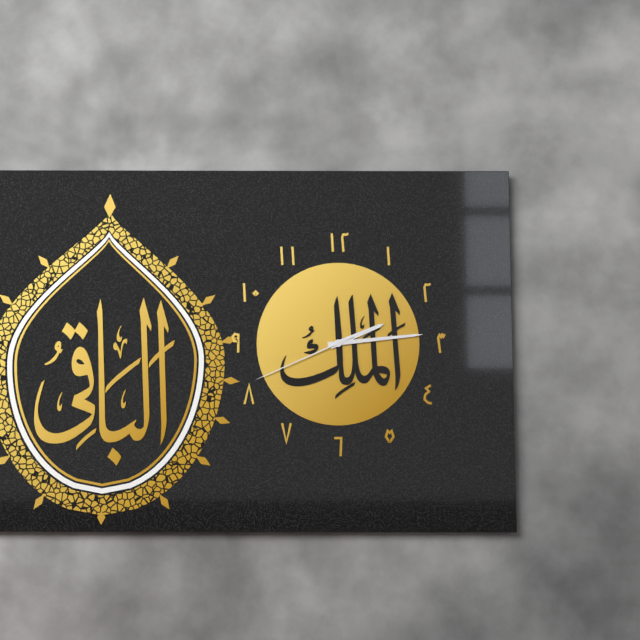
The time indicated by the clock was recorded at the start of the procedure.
2:14:41
